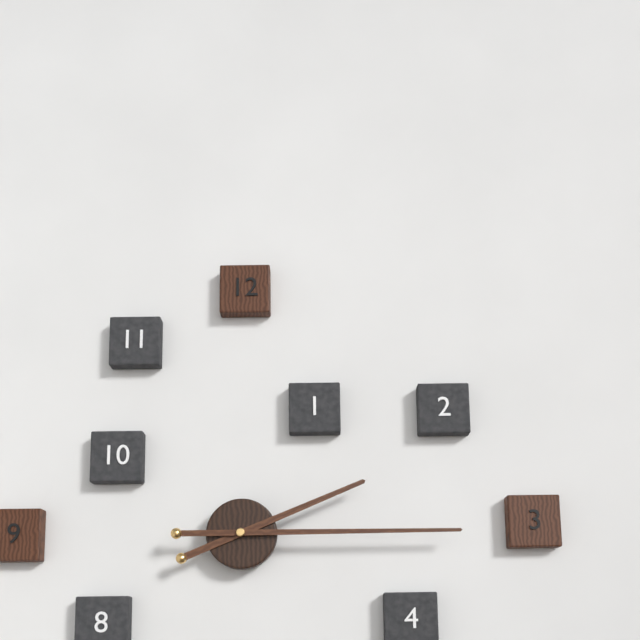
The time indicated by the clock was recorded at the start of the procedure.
2:15
